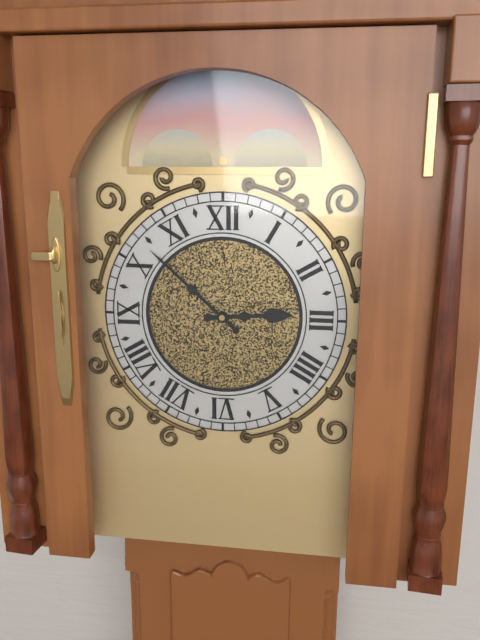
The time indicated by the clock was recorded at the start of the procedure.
2:52
